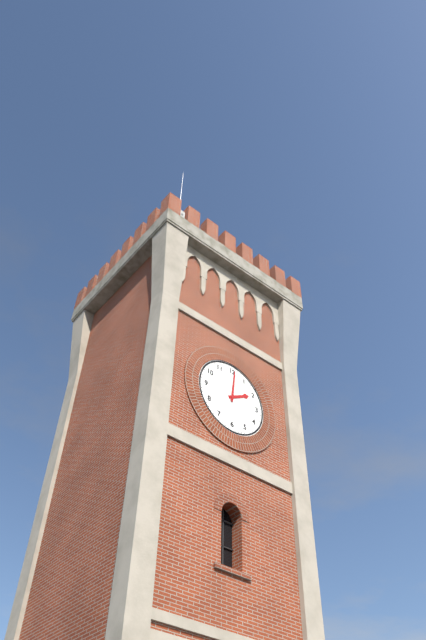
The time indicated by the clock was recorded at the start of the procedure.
2:01
